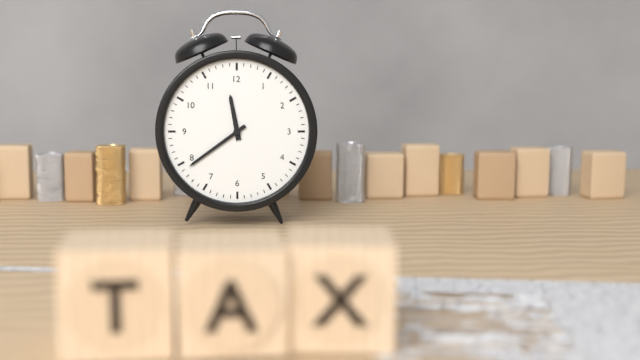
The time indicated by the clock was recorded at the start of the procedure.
11:39
